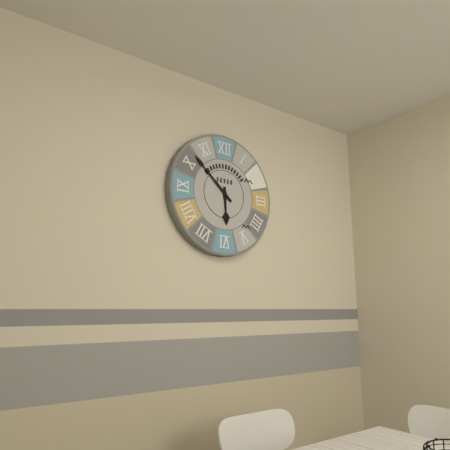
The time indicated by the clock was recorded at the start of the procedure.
5:52
